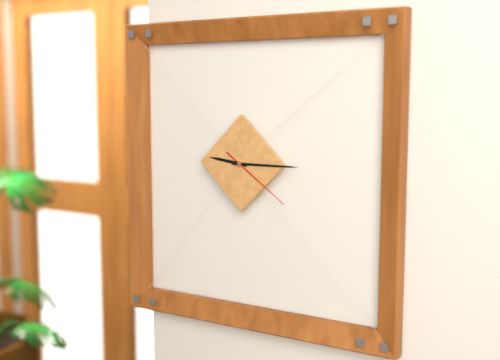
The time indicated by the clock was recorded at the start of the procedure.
9:15:21
